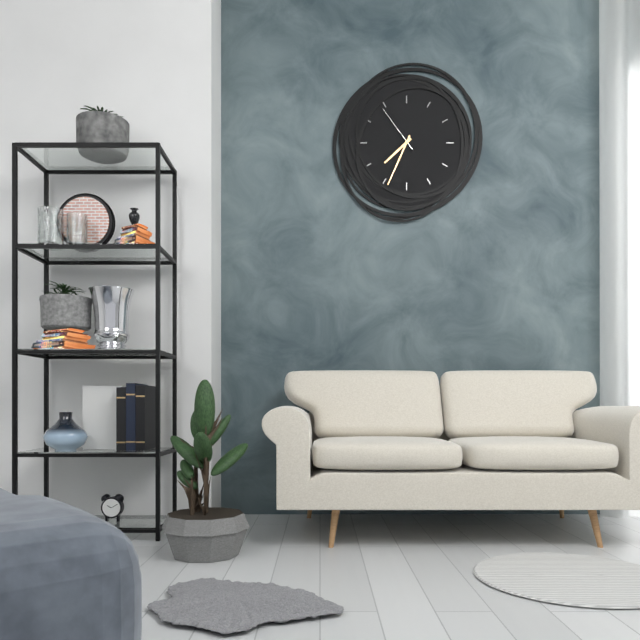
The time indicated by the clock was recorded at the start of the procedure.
7:34:54
